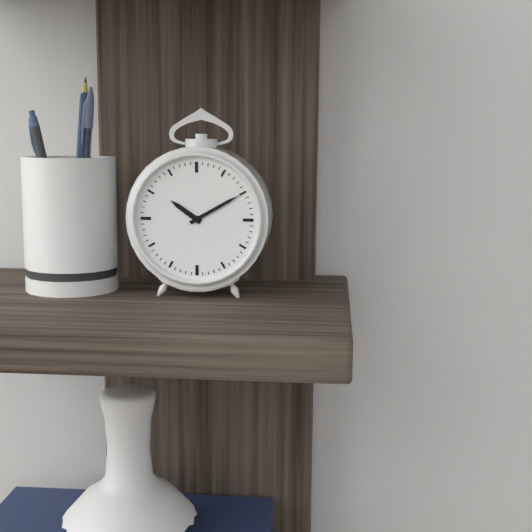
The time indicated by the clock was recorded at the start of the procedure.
10:10
